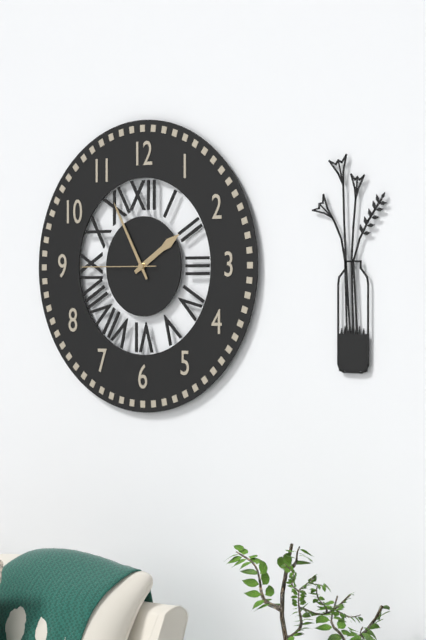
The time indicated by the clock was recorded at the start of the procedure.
1:55:45
